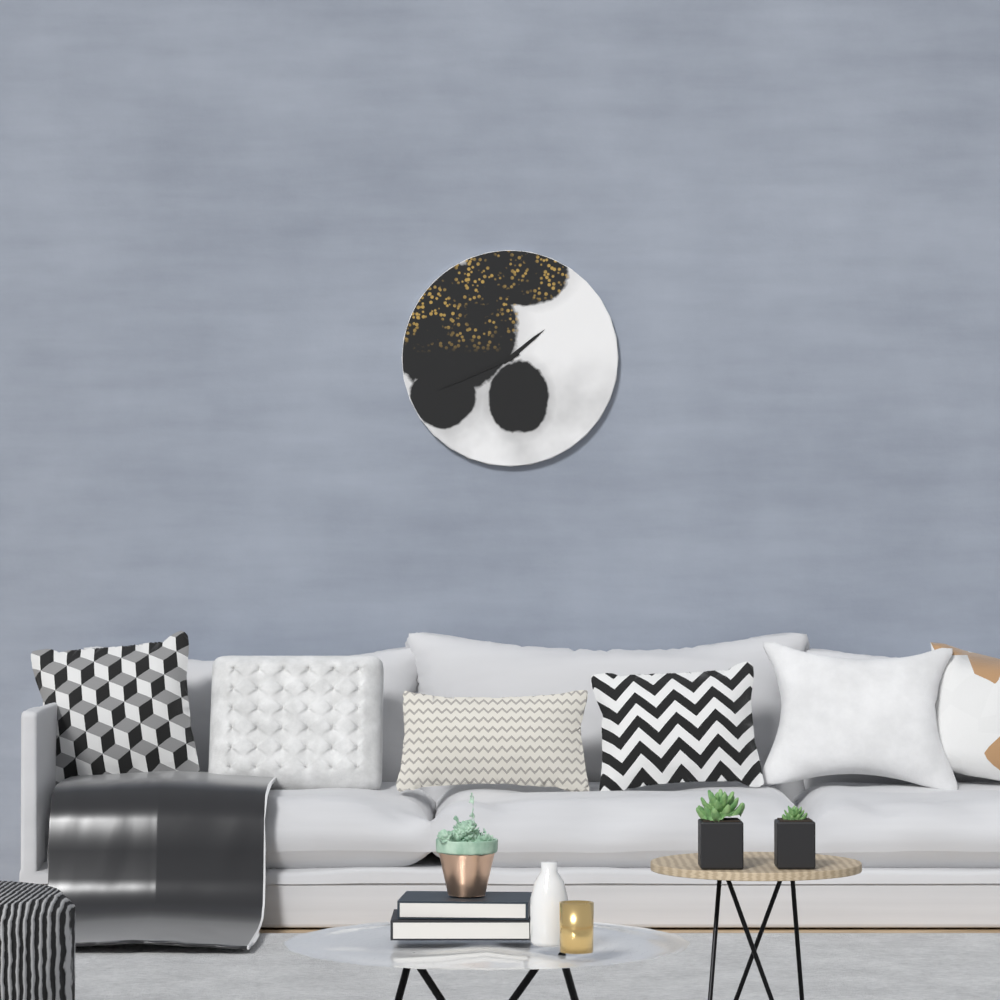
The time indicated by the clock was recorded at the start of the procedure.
1:41
